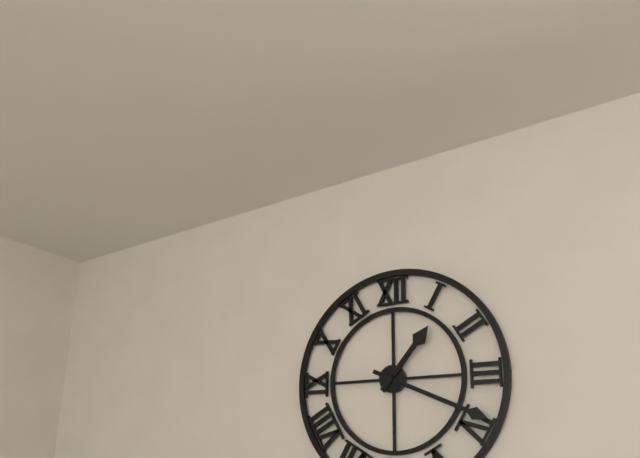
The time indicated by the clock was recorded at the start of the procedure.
1:19
